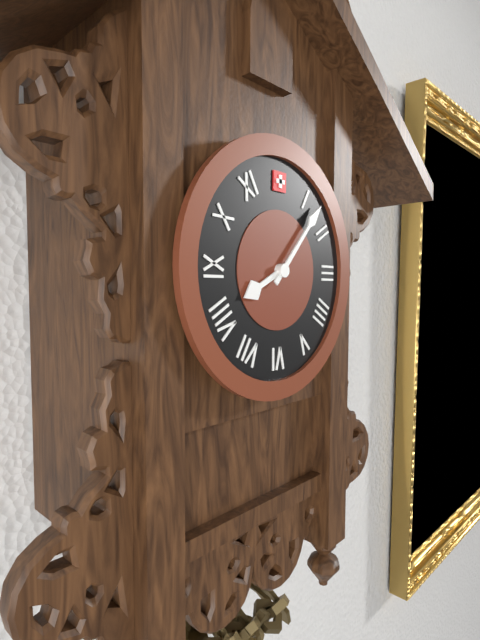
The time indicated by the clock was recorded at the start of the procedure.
8:07
